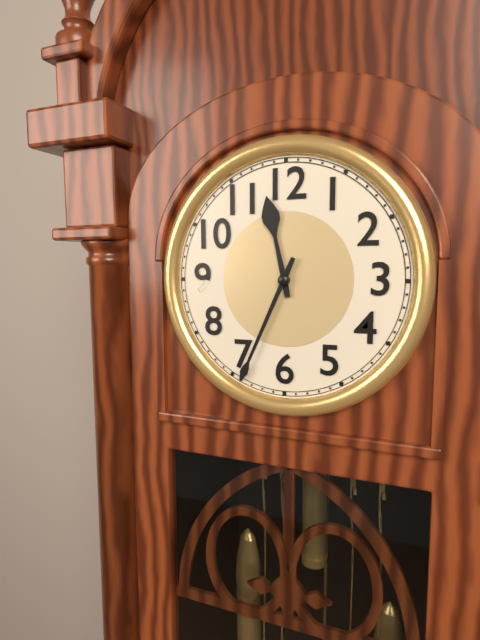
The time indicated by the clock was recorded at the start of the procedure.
11:34
